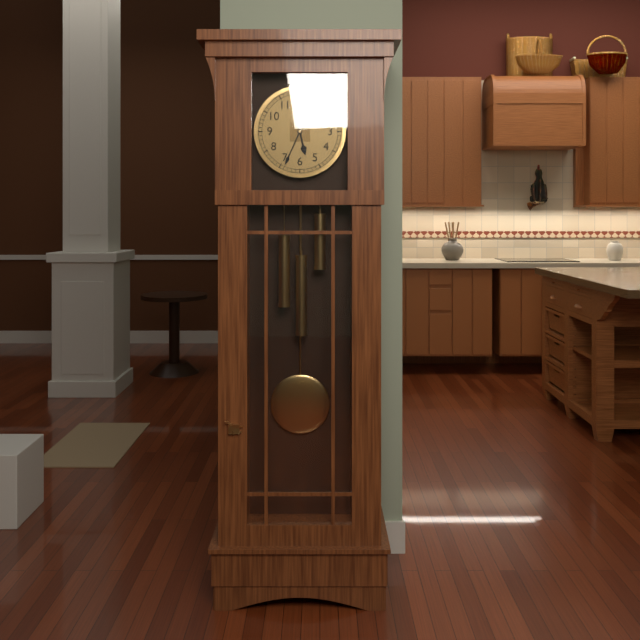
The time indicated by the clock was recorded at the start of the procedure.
5:34
